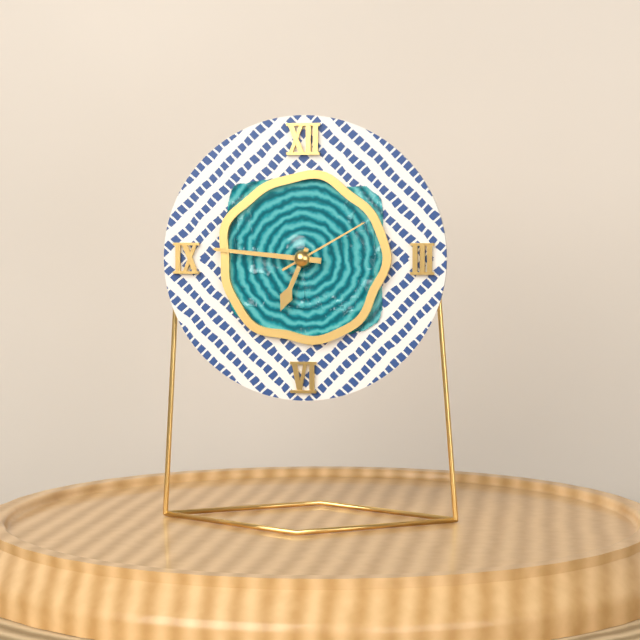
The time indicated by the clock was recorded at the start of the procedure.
6:46:10
